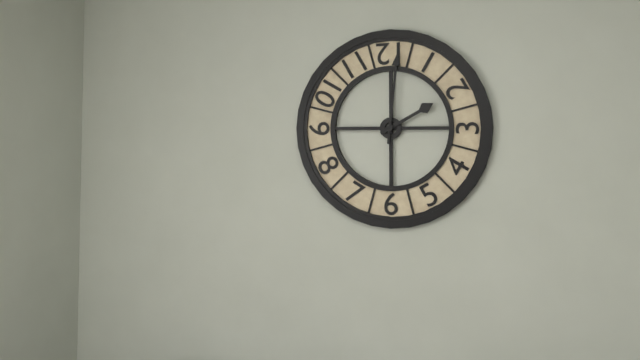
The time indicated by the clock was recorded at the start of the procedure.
2:01
